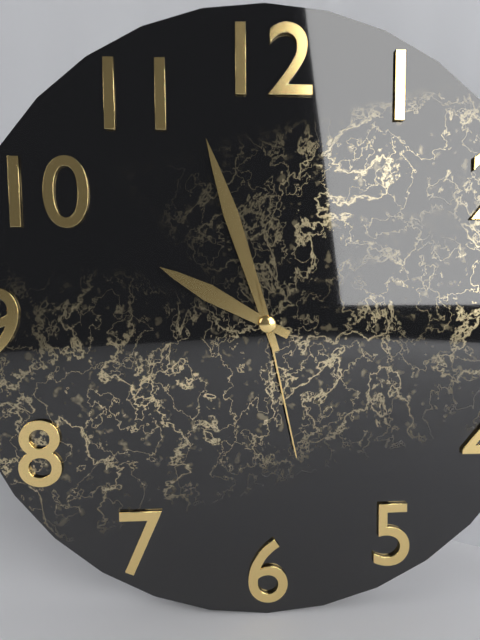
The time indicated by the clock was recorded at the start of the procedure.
9:57:28
